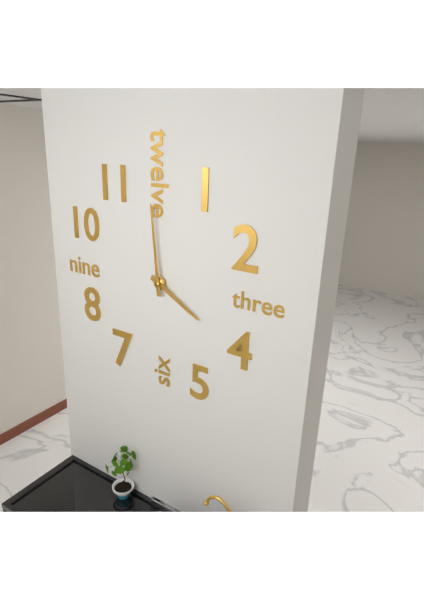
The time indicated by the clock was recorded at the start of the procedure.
3:59
